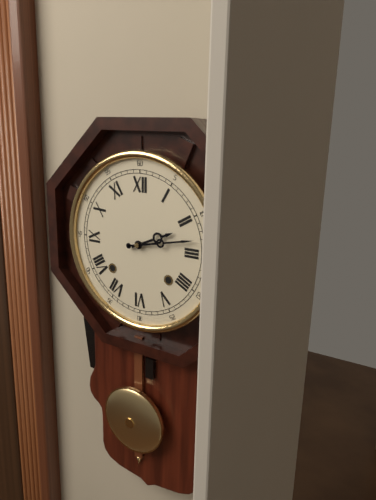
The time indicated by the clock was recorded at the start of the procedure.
2:13
